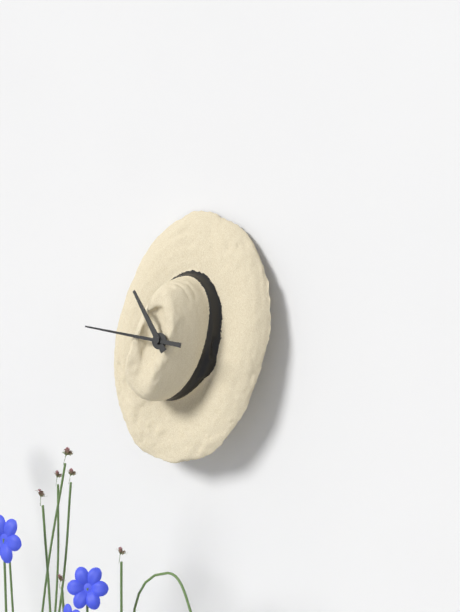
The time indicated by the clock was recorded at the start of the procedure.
10:46
